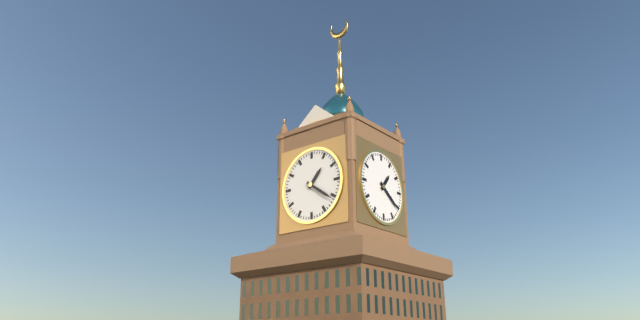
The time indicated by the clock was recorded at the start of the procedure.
1:21
